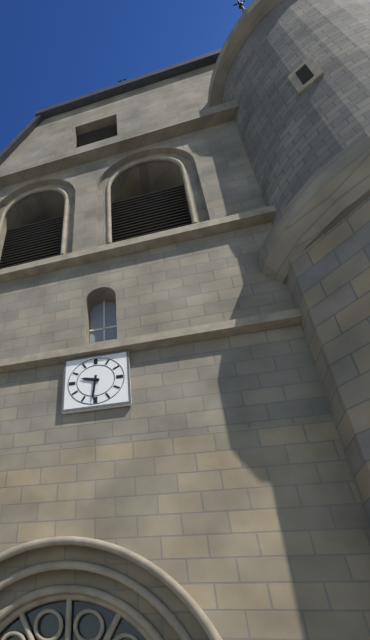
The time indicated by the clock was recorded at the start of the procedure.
9:31
